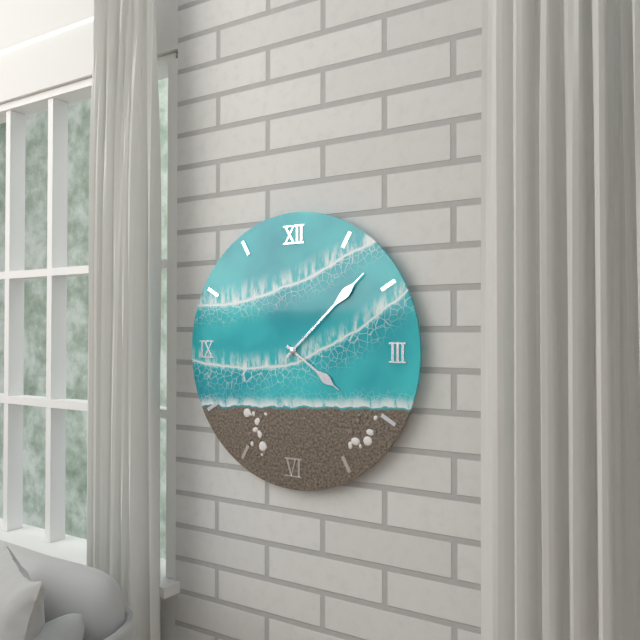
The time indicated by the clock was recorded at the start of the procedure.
4:08
